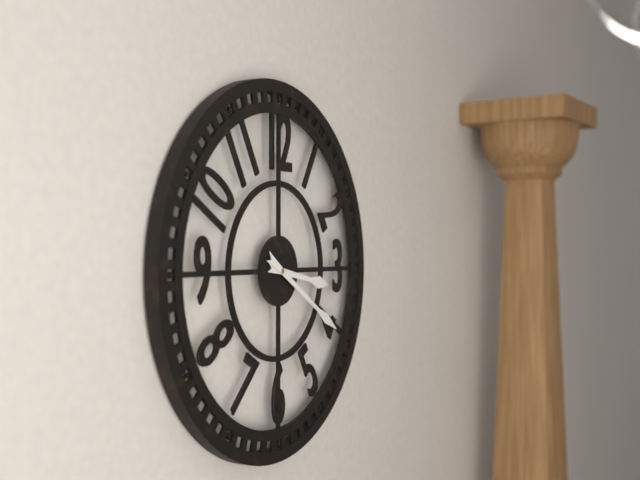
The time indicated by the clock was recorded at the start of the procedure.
3:20
